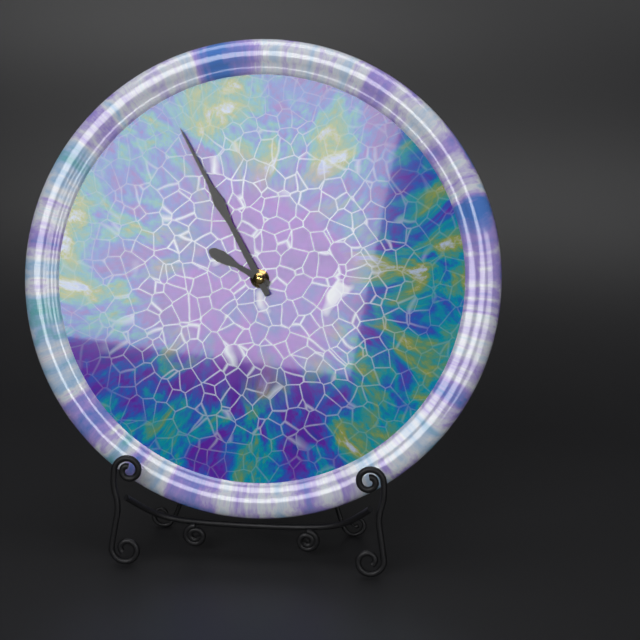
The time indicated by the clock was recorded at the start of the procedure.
9:55
